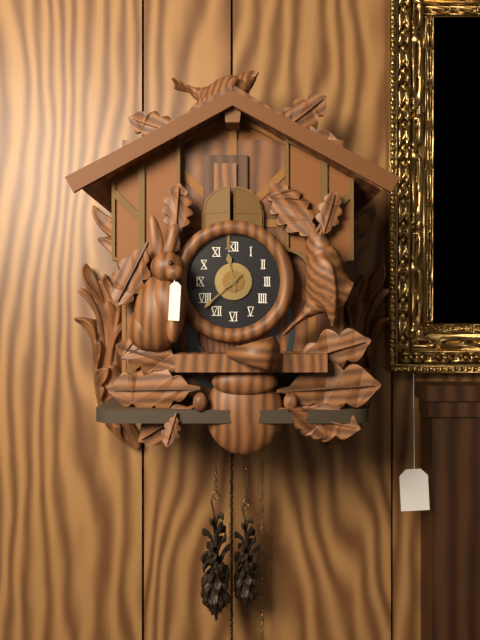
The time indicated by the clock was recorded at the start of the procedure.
11:38
